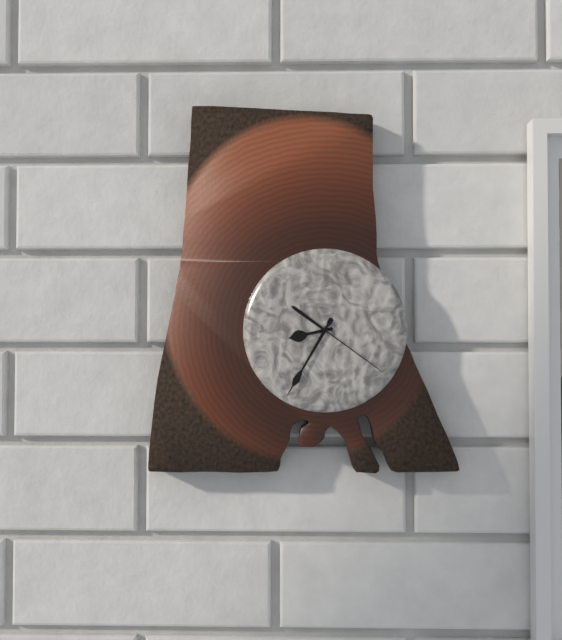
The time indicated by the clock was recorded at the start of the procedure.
8:35:21
